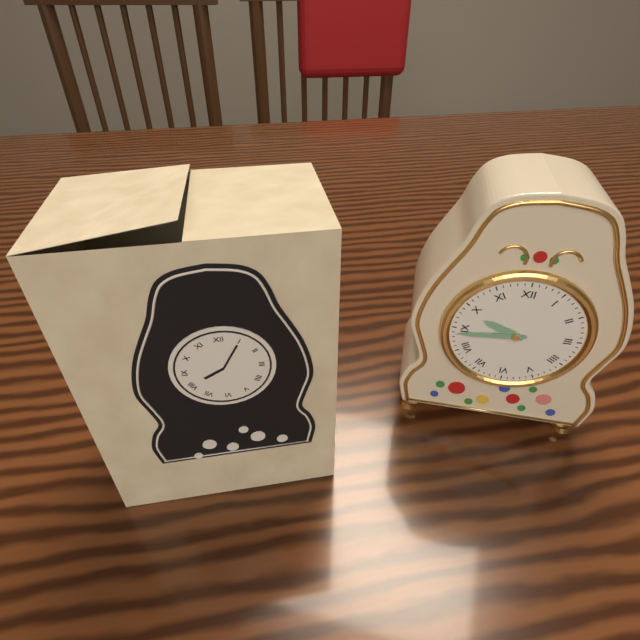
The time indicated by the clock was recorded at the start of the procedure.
9:44
